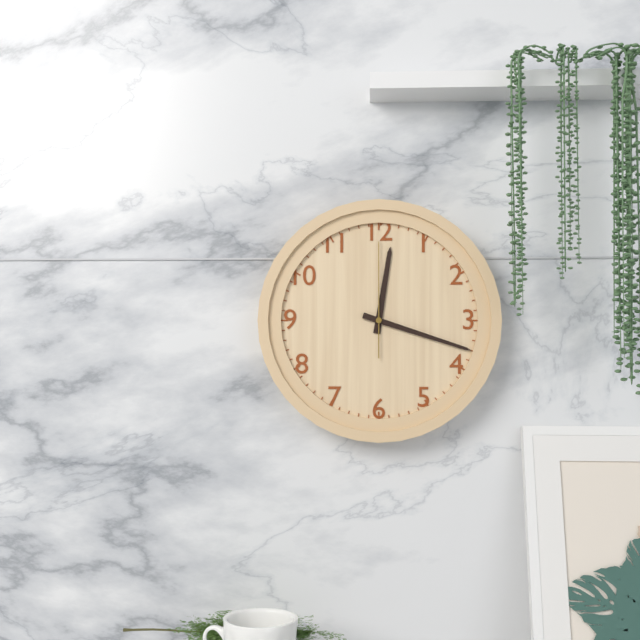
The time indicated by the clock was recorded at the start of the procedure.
12:18:00
